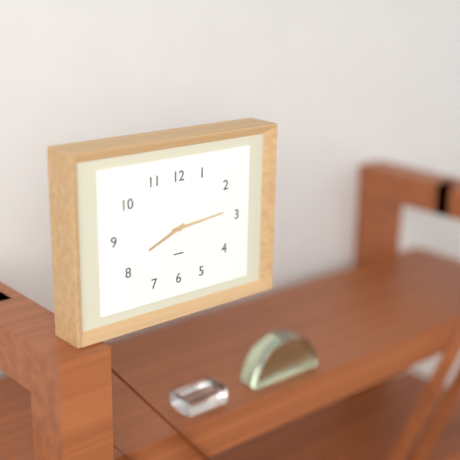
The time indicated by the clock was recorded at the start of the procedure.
8:14
